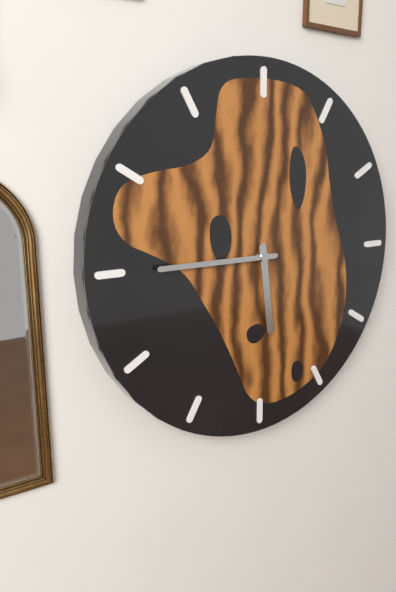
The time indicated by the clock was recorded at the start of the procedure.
5:45
